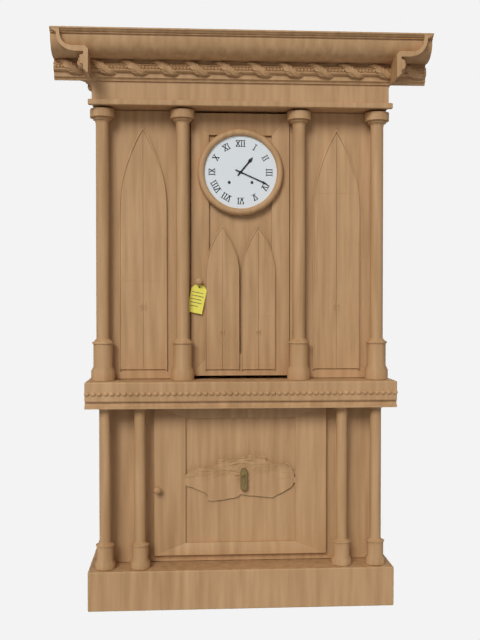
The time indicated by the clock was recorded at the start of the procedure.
1:19
